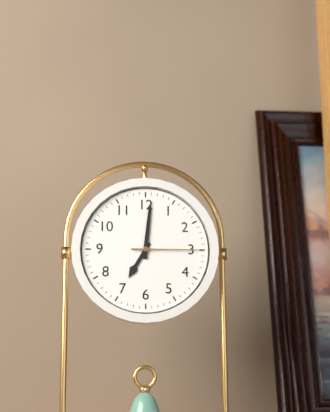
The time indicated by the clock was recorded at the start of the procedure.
7:01:15
